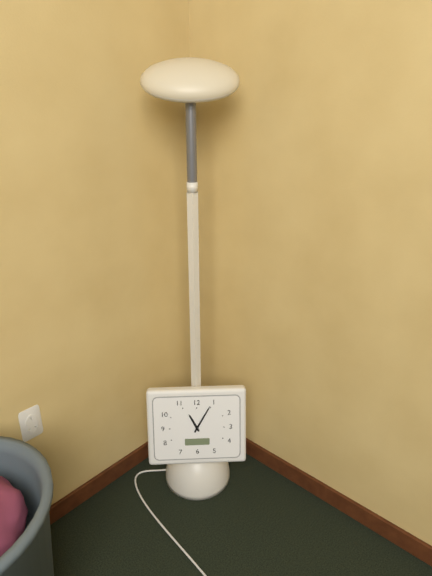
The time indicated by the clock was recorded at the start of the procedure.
11:05
